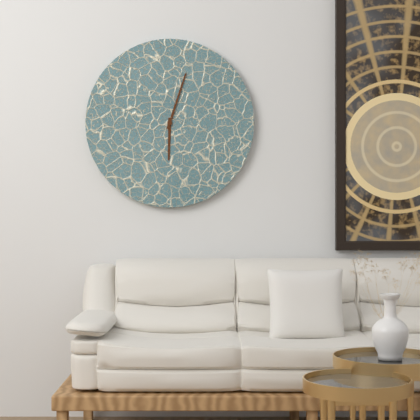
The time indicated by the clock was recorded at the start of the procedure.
6:03
